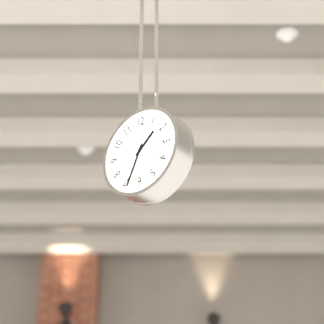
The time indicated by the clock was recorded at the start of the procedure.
1:34
